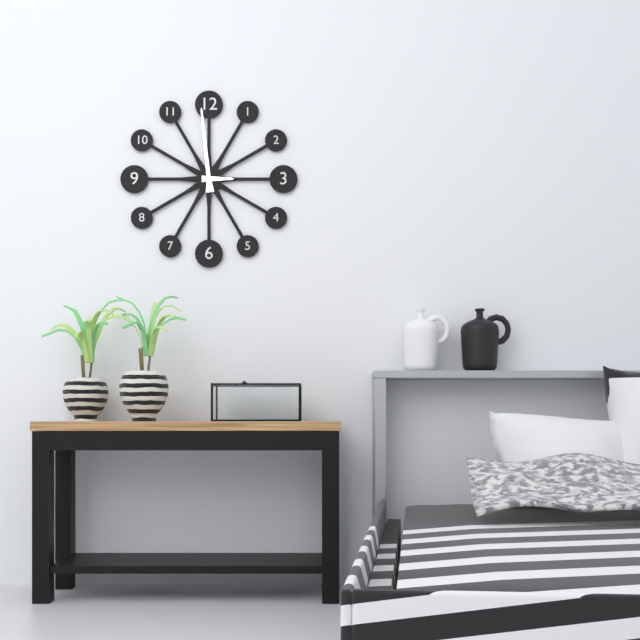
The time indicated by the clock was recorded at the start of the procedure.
2:59
